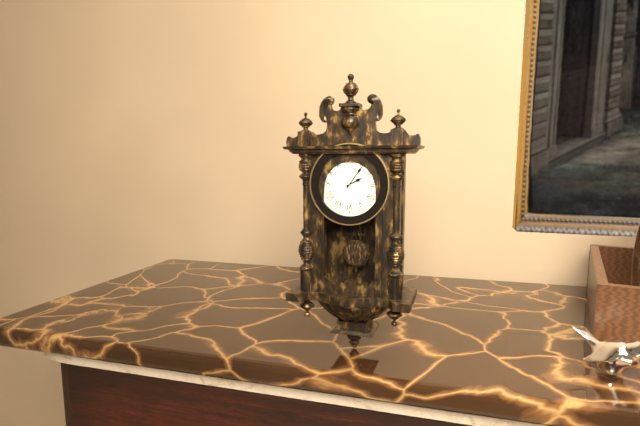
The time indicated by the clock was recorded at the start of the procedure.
2:06
